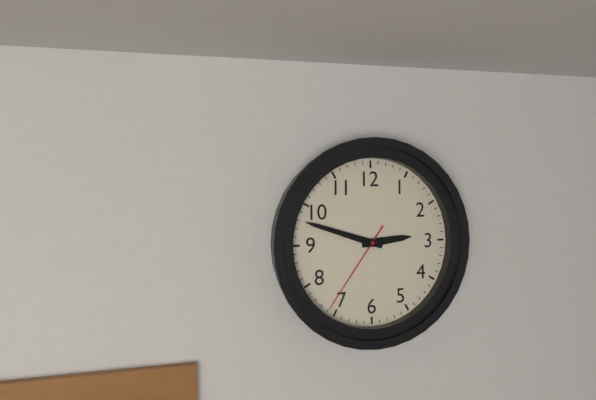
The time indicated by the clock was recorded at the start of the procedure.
2:48:36
